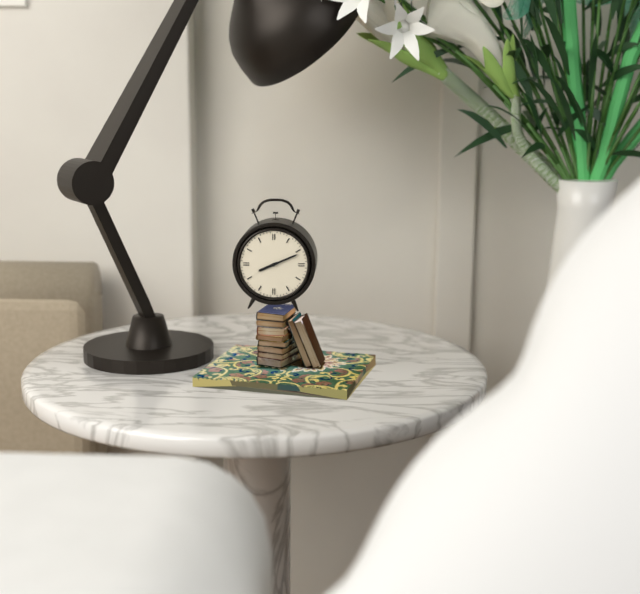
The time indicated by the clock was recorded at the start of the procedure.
8:11
